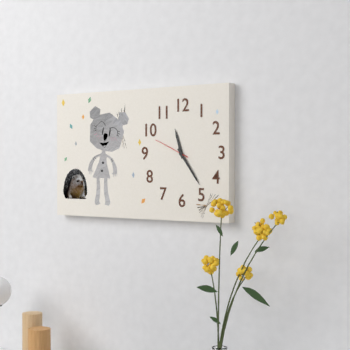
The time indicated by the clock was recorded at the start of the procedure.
11:24
